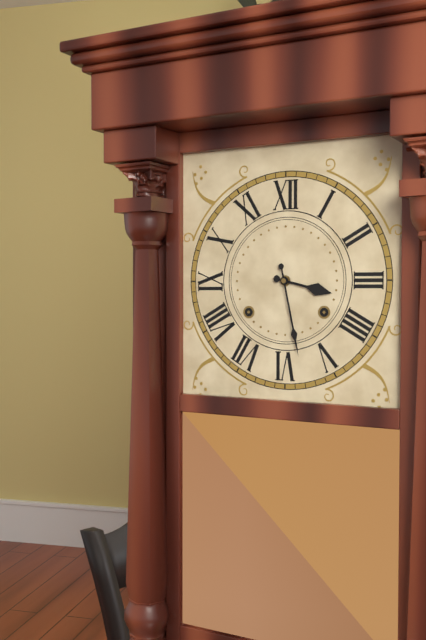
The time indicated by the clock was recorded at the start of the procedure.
3:28
